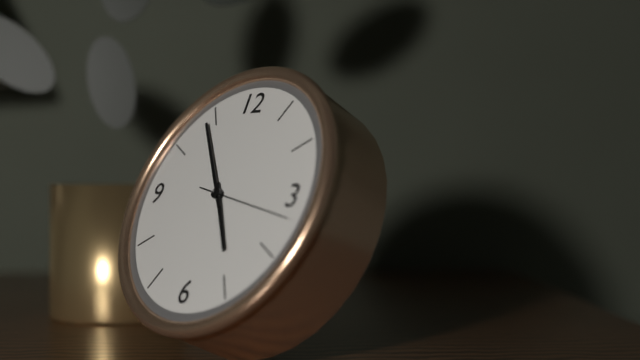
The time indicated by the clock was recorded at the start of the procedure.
4:54
